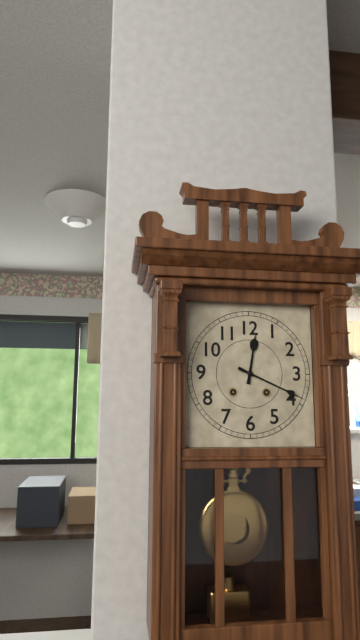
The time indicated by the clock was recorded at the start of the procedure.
12:19
